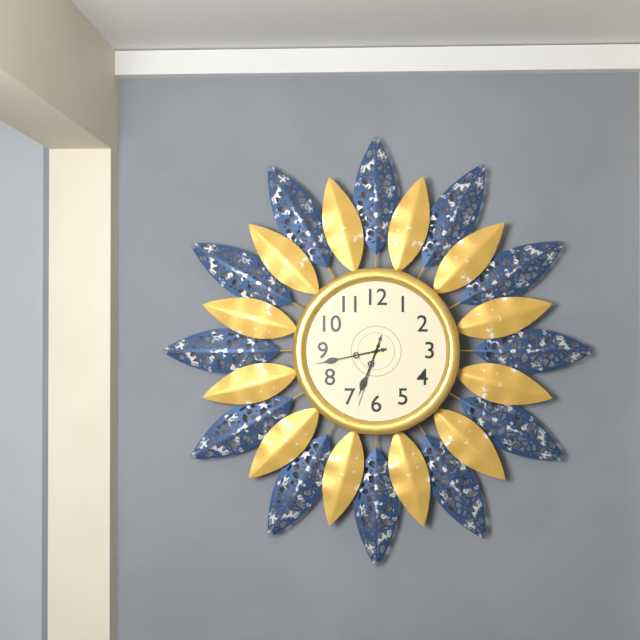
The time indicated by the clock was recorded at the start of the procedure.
6:43:33
